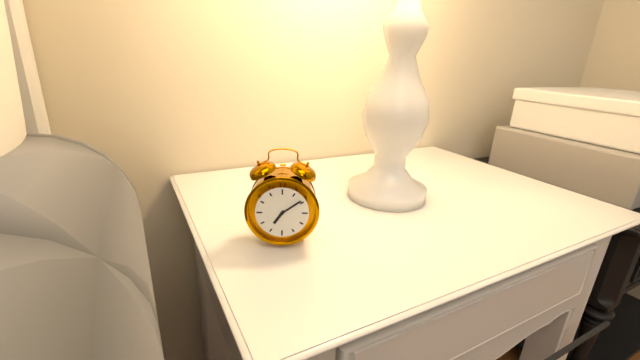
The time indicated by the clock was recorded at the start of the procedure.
7:09
